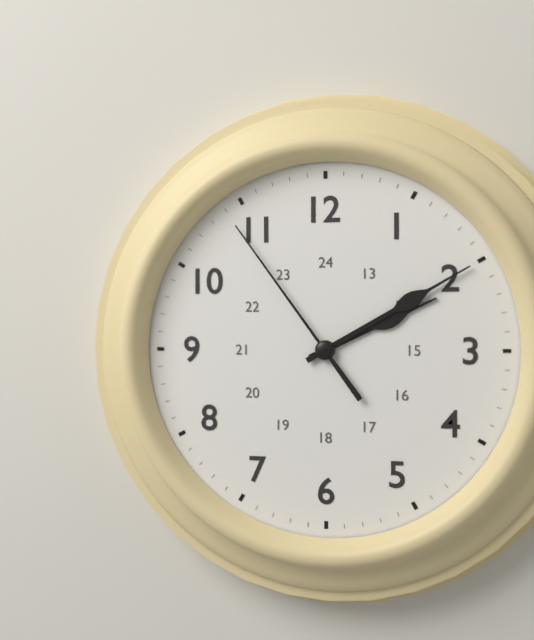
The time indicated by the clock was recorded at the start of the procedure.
2:10:54
